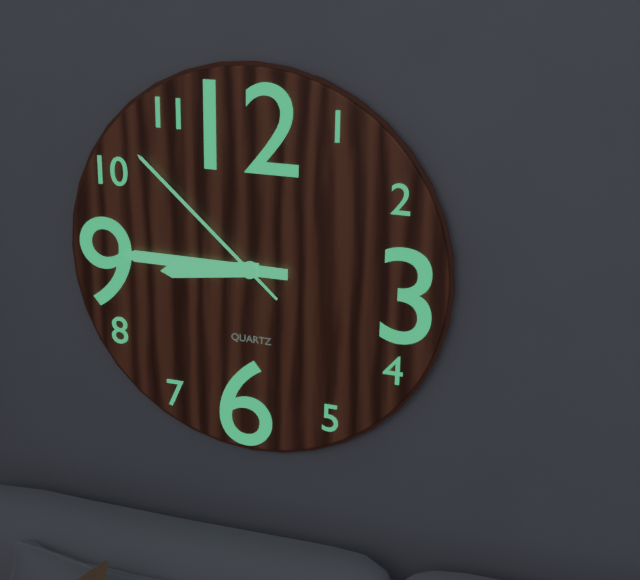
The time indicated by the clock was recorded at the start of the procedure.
8:45:52
